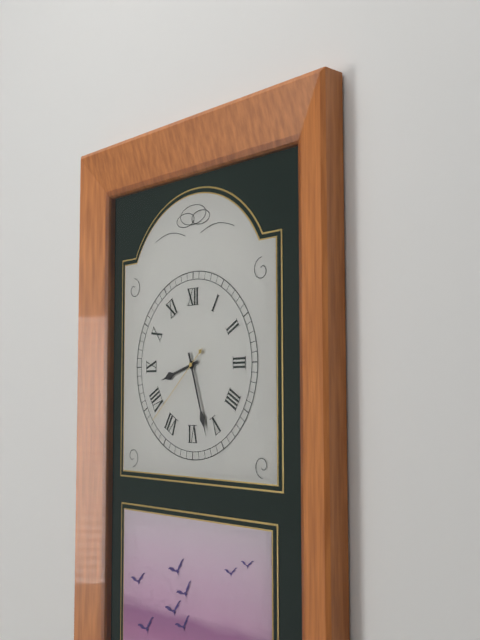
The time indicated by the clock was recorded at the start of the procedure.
8:27:38
